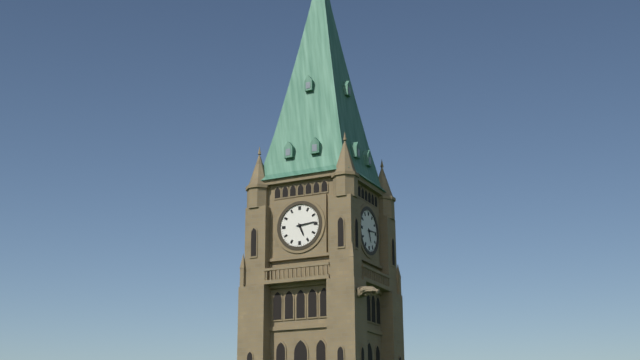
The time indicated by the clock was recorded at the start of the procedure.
5:14
